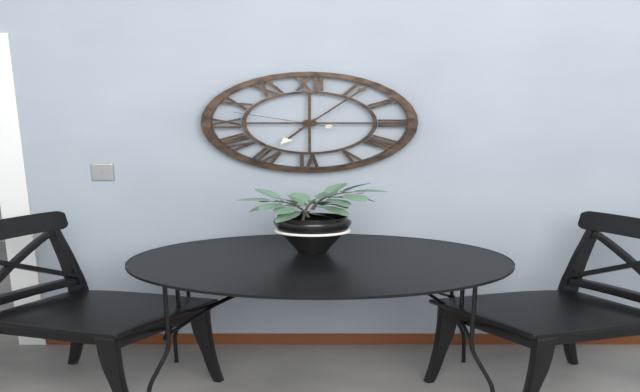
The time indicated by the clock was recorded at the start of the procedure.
7:06:48
